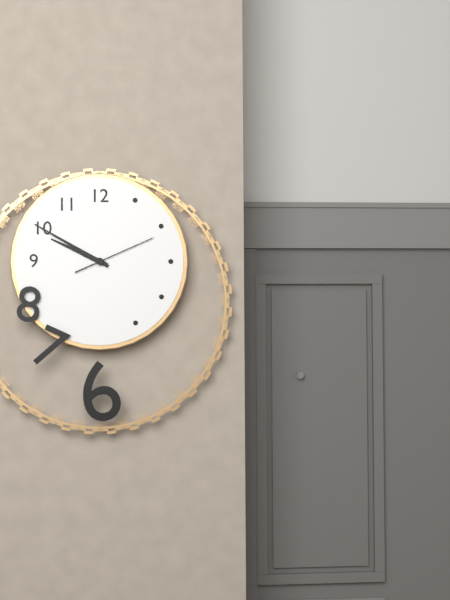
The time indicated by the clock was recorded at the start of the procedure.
9:50:11
